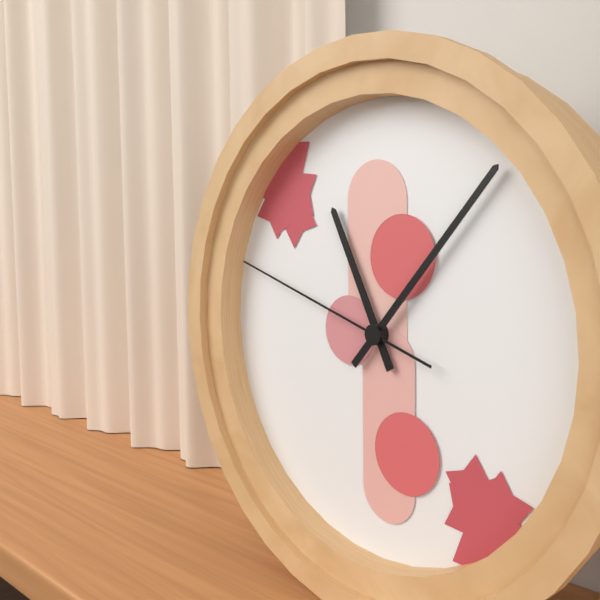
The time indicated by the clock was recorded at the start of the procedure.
11:07:48
